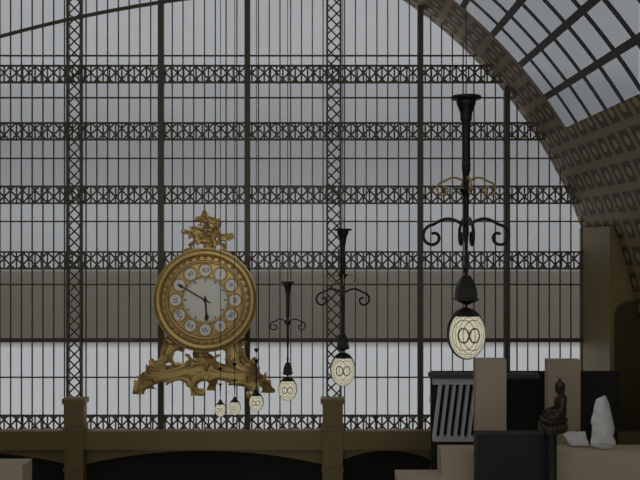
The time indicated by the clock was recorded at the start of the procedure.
5:50
